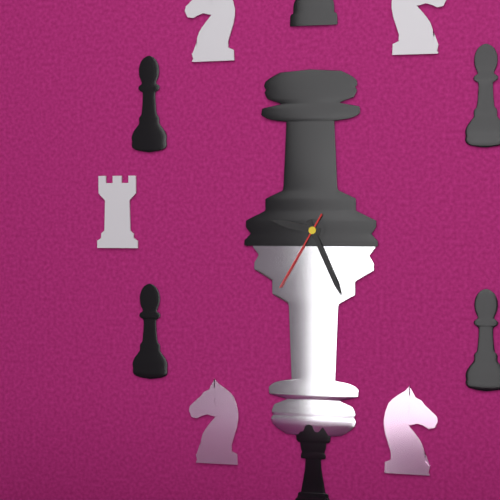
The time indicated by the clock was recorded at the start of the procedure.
9:26:35
